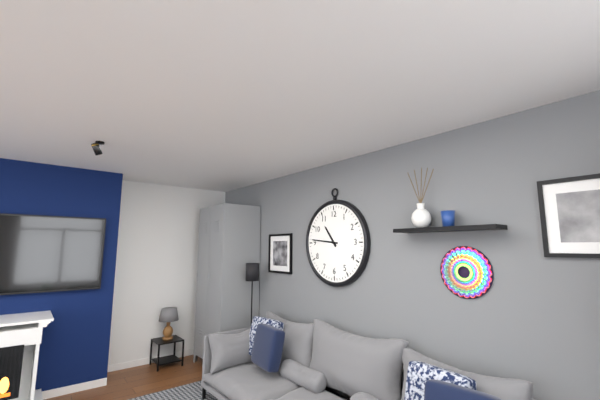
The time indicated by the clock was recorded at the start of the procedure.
10:46
